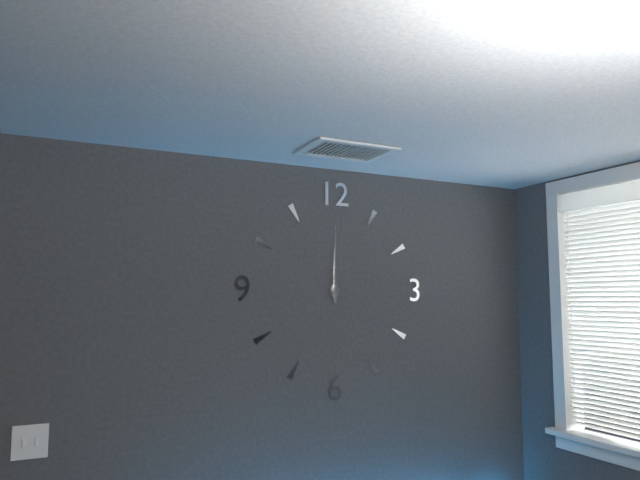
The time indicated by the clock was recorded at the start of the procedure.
12:00
